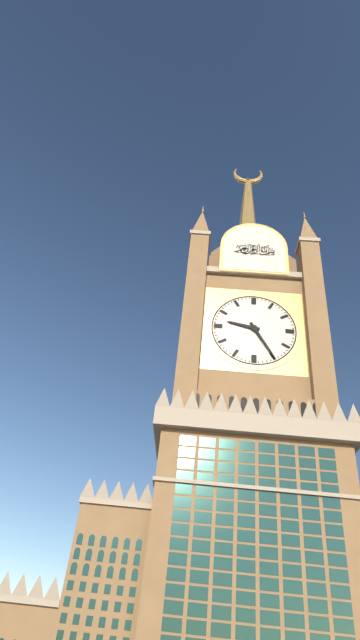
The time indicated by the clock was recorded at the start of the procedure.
9:25
